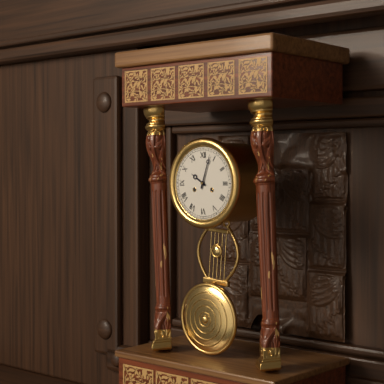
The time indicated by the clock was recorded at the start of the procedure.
10:03
